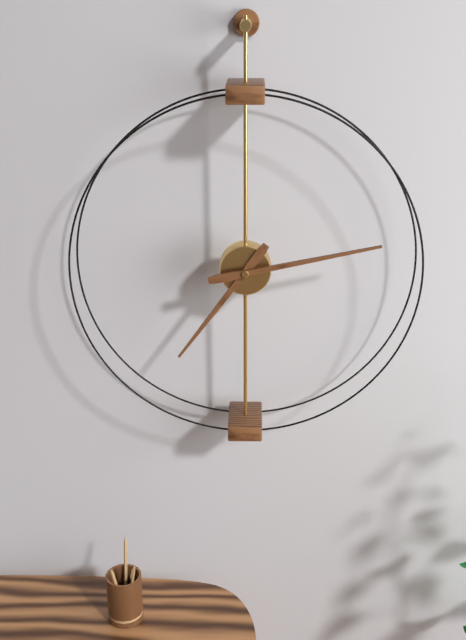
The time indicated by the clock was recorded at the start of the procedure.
7:13
